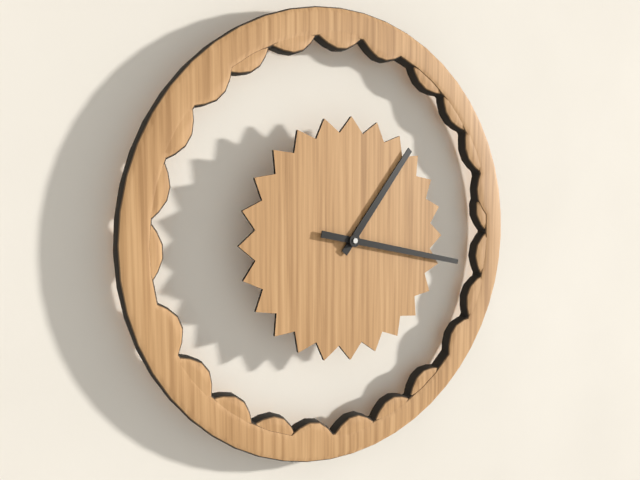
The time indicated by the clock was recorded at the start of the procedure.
1:17
